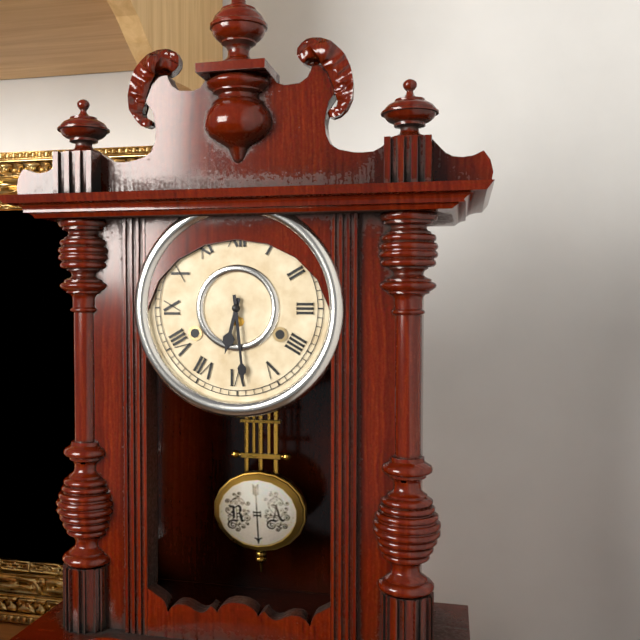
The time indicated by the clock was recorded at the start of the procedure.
6:29
